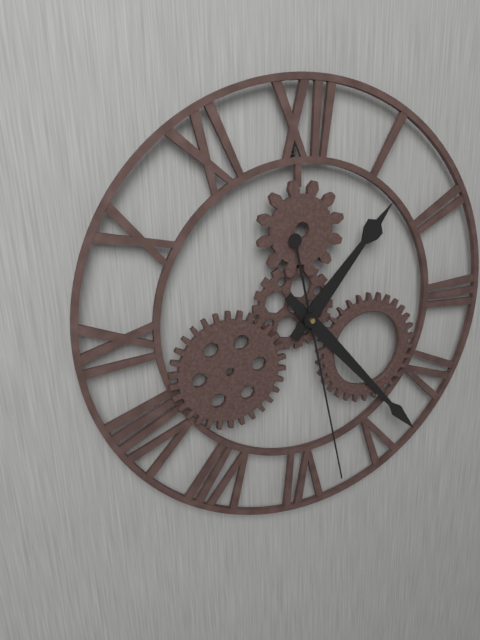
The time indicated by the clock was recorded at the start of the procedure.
1:23:28
